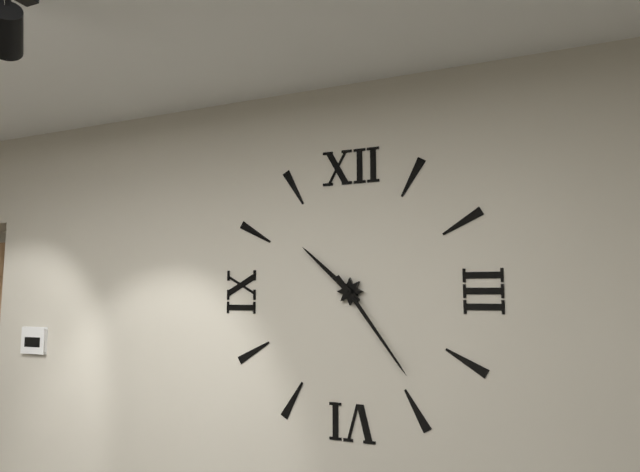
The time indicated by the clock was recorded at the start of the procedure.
10:24
